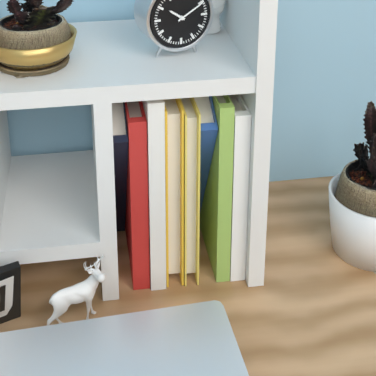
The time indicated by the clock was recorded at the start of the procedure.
10:10
